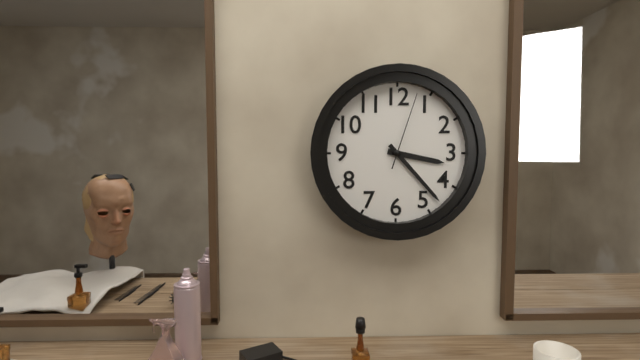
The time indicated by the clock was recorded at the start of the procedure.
3:23:03
